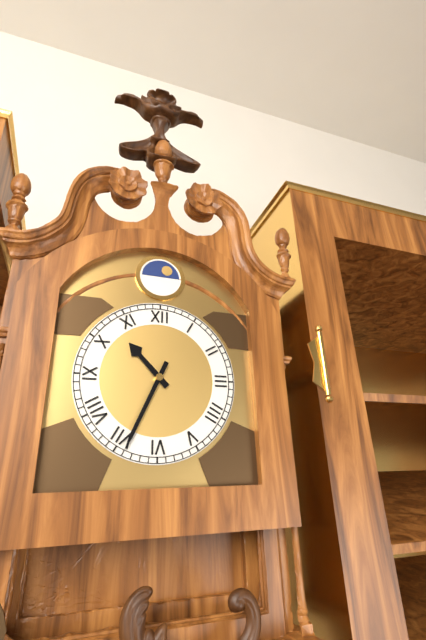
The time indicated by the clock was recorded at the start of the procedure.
10:34
